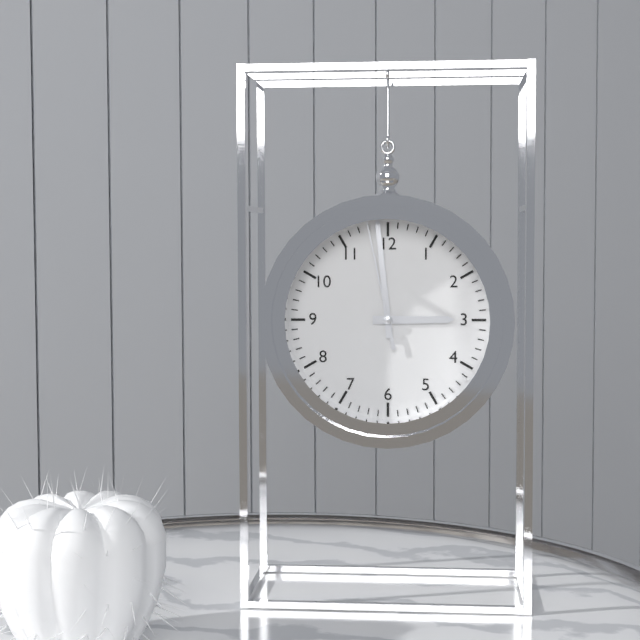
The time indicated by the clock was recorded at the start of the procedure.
2:59:58
